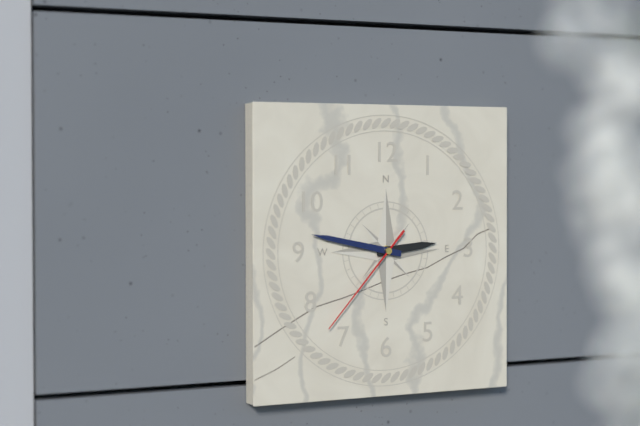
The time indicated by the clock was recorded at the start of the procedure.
2:47:37
